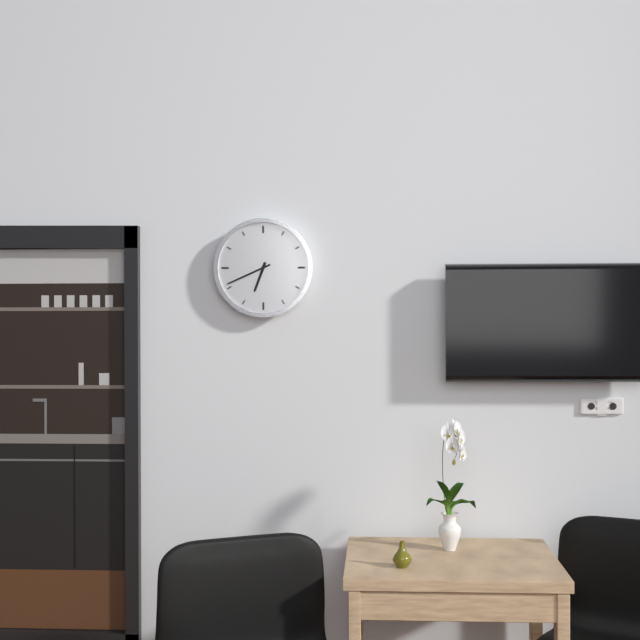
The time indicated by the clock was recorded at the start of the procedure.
6:41
